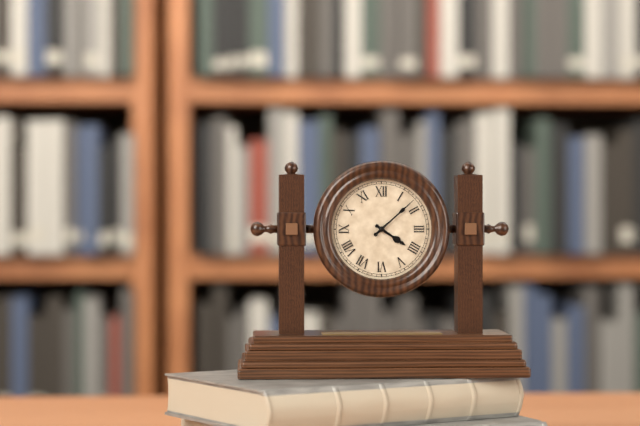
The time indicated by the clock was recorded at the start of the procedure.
4:08
